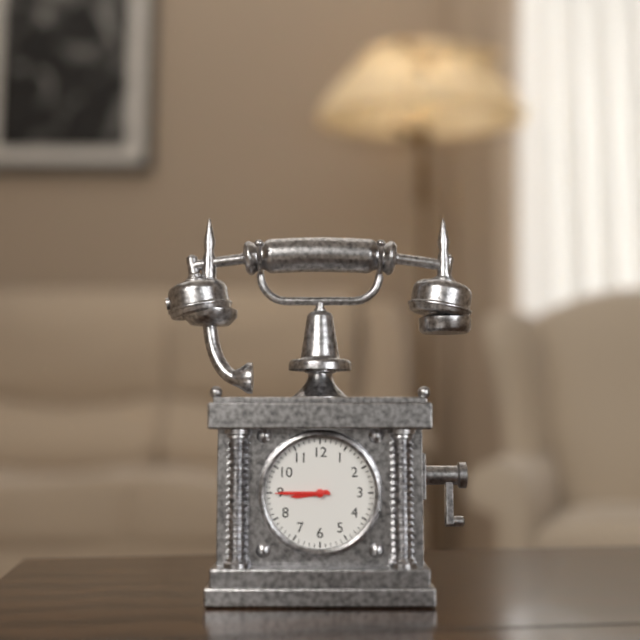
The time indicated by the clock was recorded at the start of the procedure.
8:45
